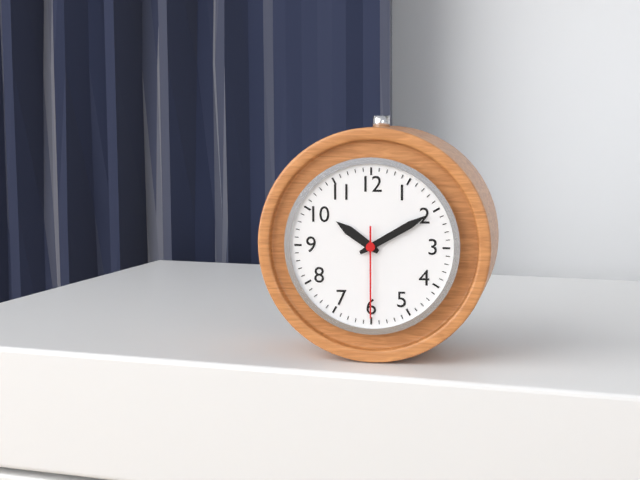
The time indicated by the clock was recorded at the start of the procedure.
10:10:30
